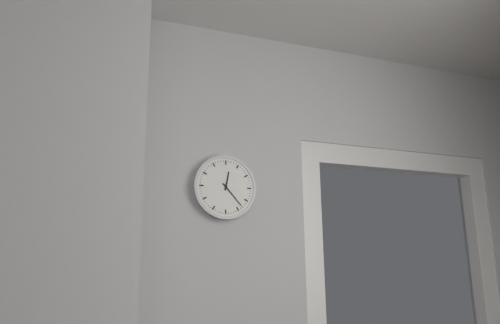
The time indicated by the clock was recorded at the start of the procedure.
12:23
